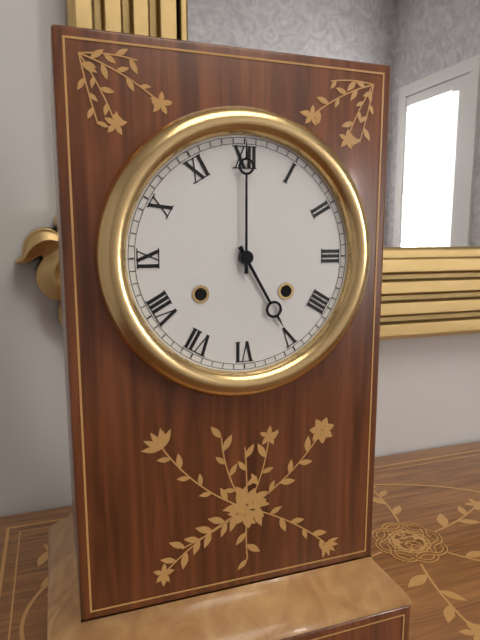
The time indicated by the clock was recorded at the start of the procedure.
5:00
